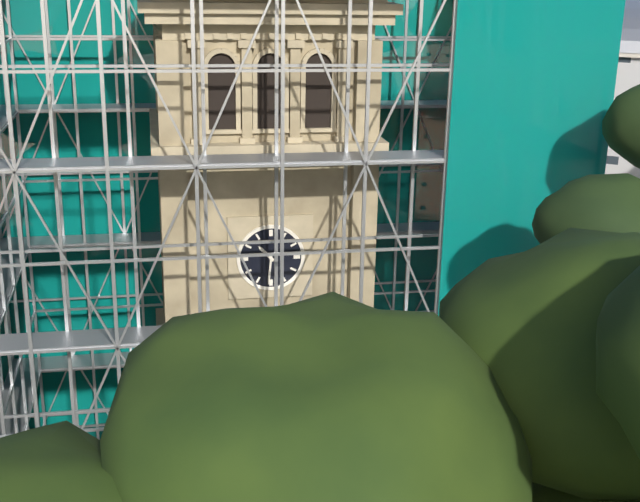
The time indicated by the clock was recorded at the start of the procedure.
10:31
